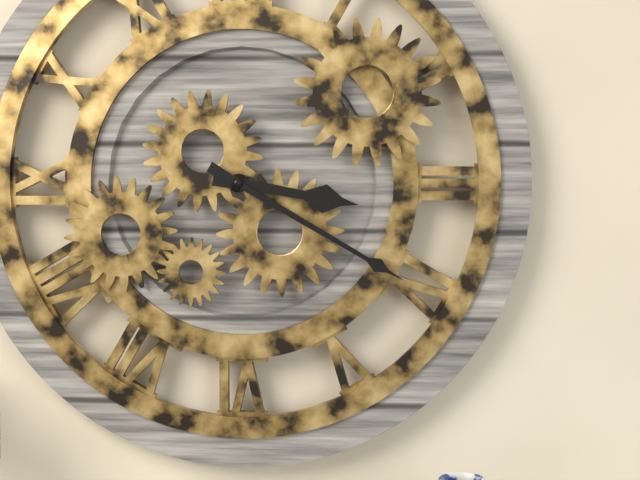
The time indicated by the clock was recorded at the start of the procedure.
3:20
